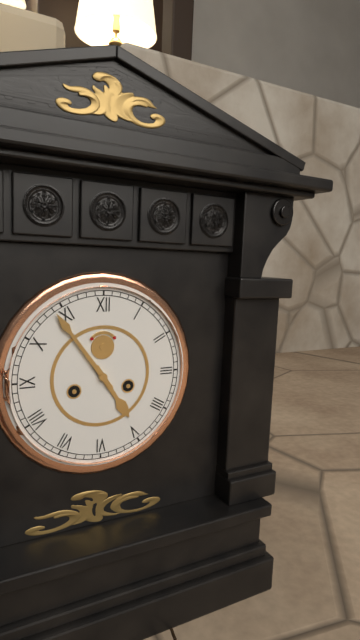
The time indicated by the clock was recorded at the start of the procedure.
4:54
